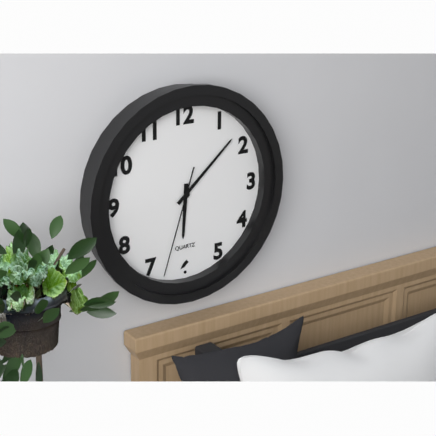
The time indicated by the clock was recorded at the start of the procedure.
6:08:33
